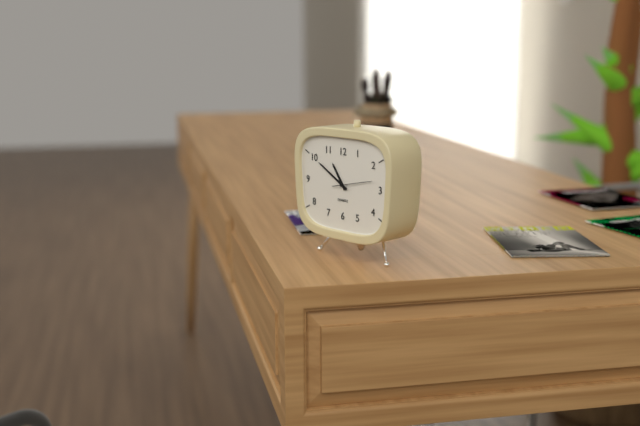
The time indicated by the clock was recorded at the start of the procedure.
10:50
